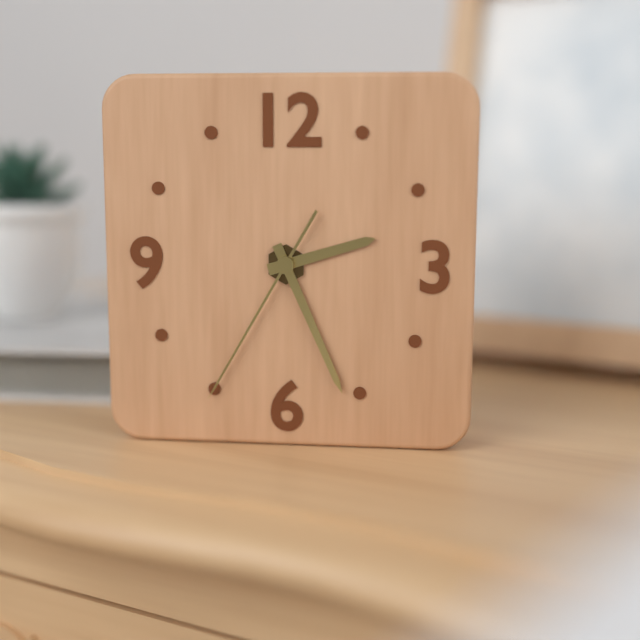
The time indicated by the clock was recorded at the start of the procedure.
2:26:35
